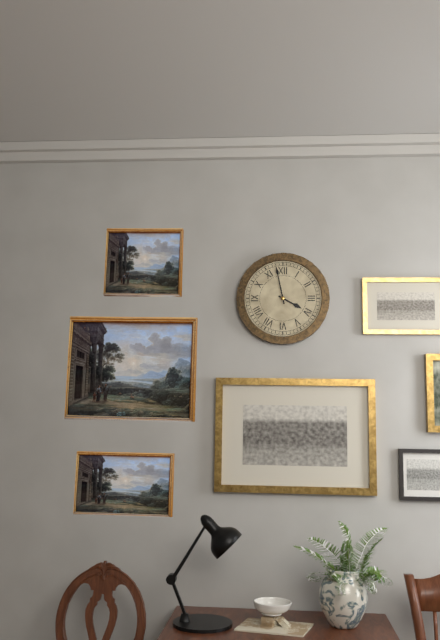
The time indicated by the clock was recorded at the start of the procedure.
3:58
